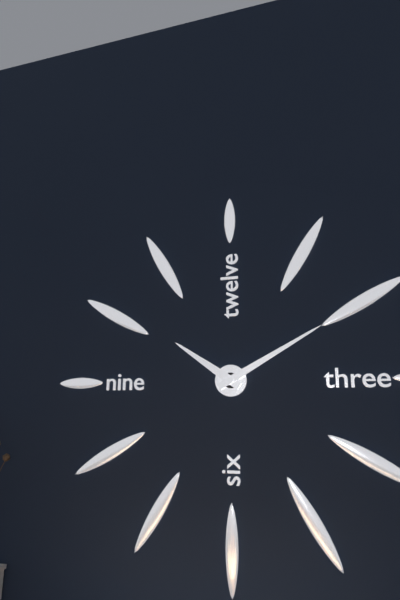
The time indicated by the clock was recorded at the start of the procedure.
10:10
